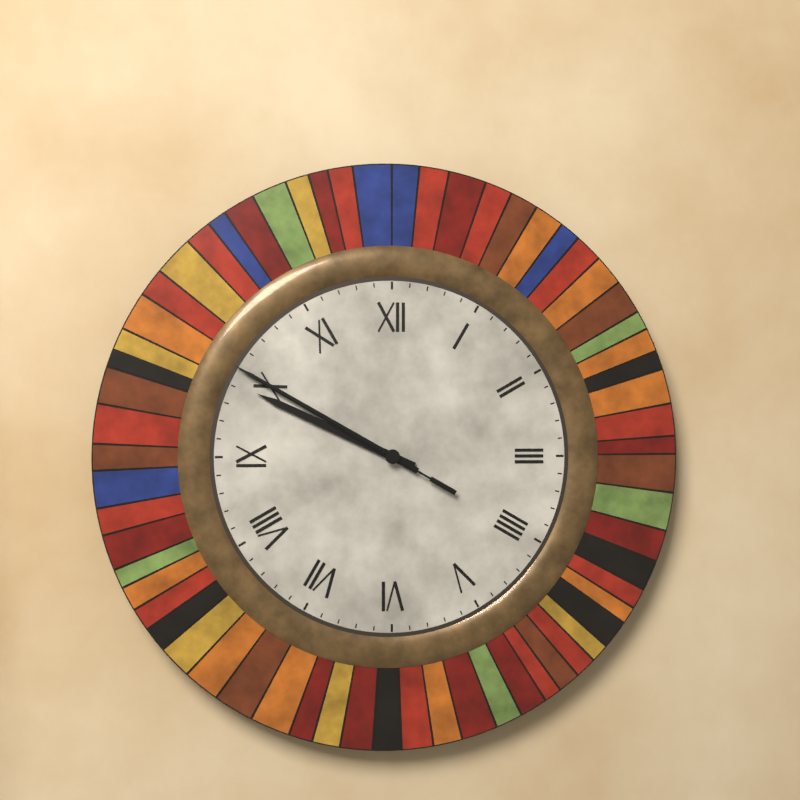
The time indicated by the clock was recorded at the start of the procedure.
9:50:50
